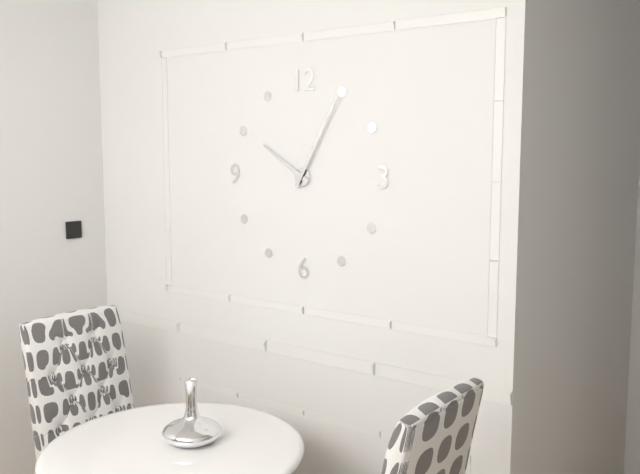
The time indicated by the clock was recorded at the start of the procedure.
10:05
